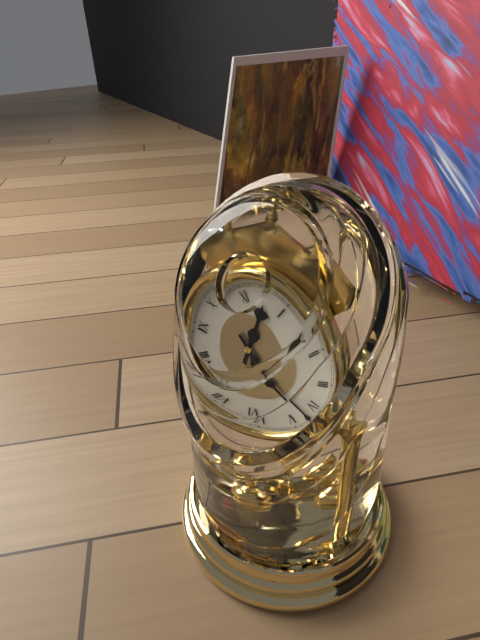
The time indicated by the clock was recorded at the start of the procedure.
12:22
